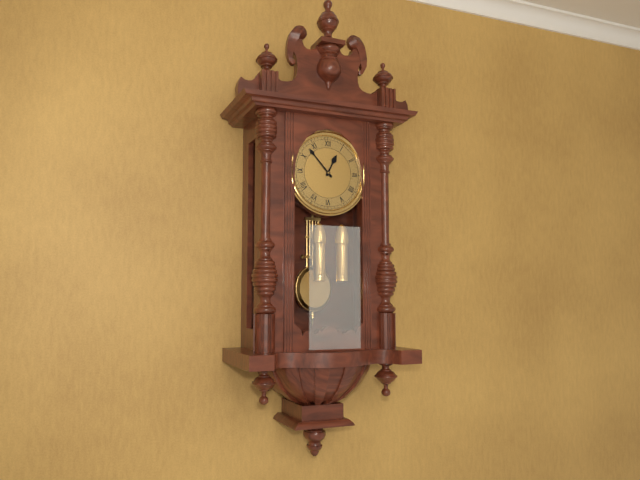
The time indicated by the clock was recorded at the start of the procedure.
12:53
